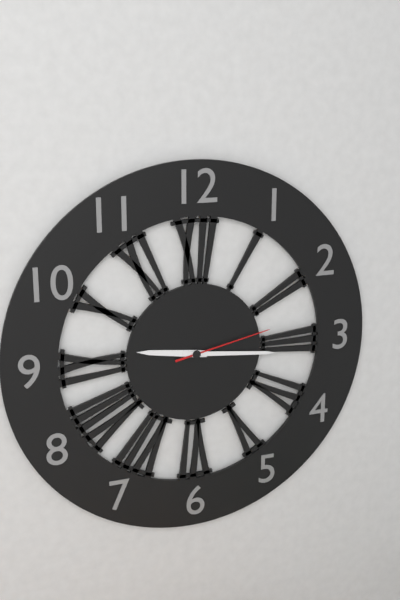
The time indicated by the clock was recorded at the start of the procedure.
9:16:13
